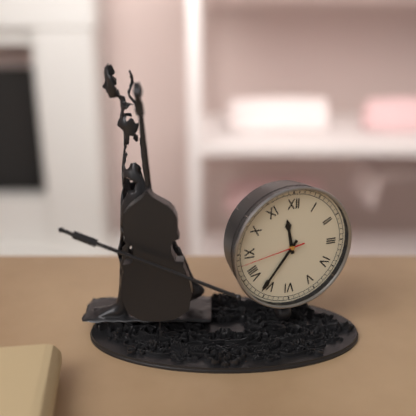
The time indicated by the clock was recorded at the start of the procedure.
11:36:43
